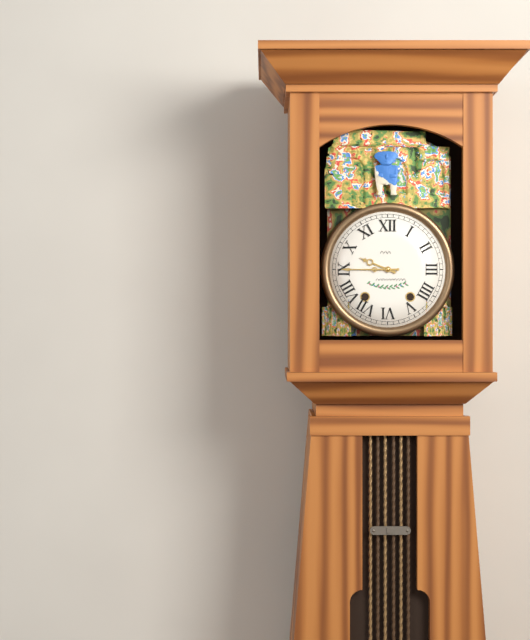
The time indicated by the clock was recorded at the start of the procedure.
9:45
